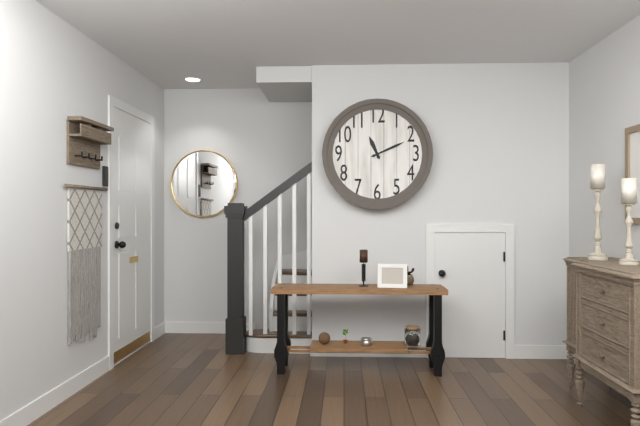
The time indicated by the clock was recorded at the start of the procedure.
11:11
